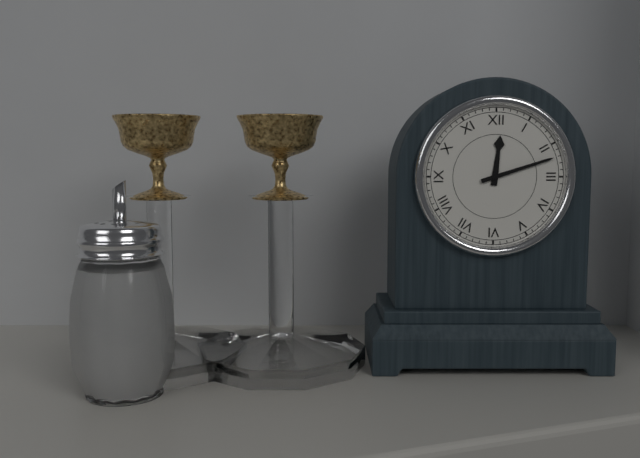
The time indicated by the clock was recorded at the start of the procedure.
12:12
